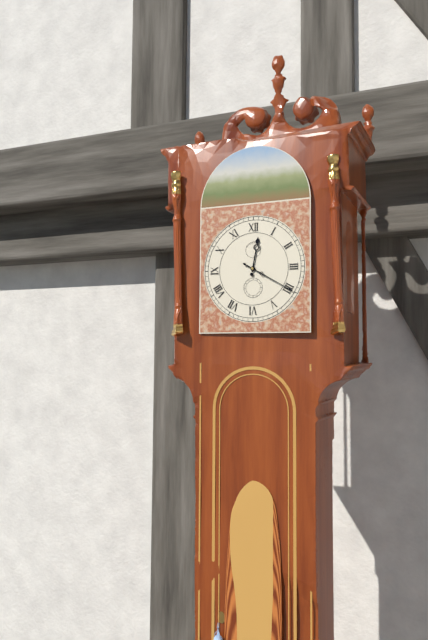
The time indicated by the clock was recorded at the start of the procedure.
12:20
